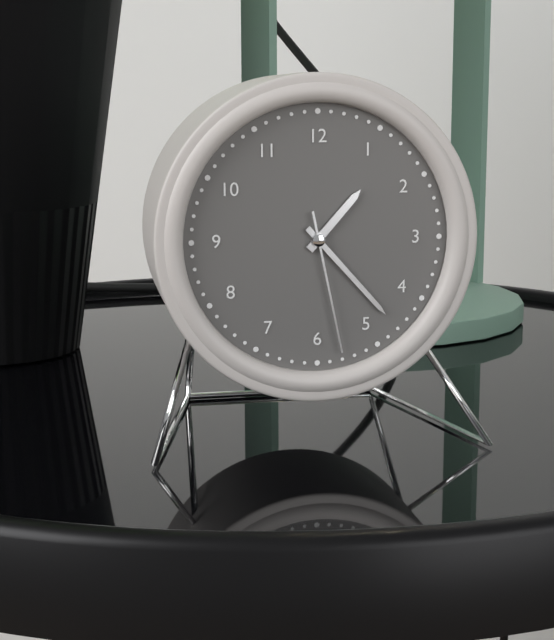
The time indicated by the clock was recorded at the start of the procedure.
1:23:28
